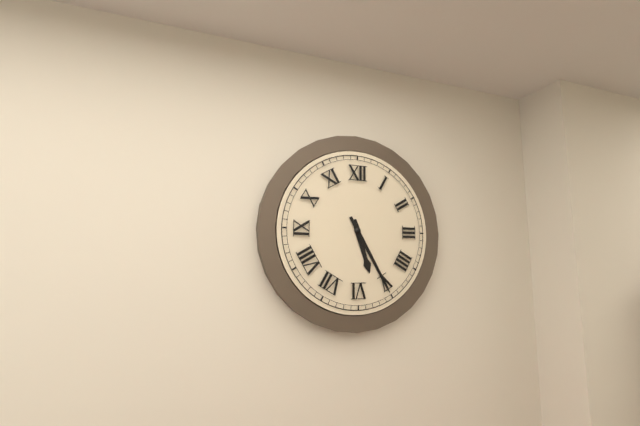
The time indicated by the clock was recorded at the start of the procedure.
5:25
